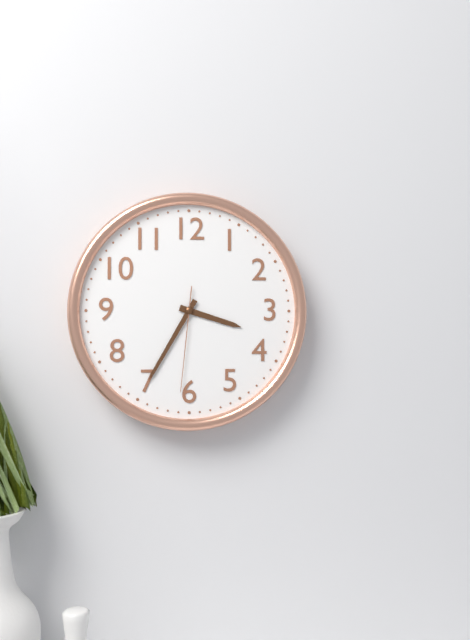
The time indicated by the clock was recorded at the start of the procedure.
3:35:31
